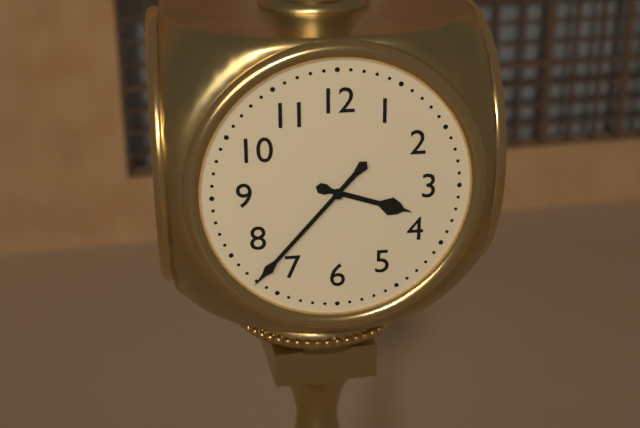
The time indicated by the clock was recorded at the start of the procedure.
3:37
